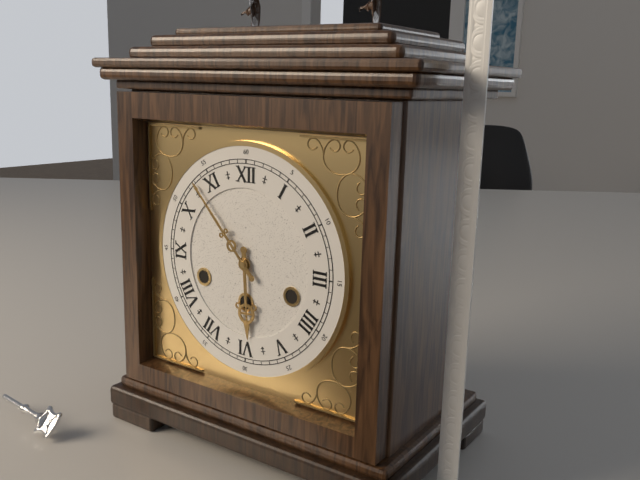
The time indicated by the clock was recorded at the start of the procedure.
5:53
